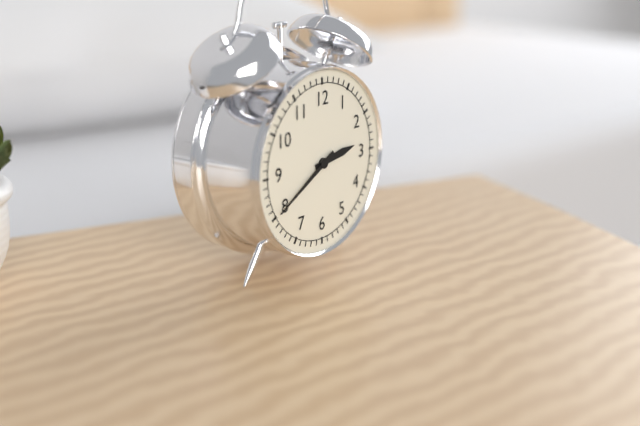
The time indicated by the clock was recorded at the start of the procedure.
2:40
